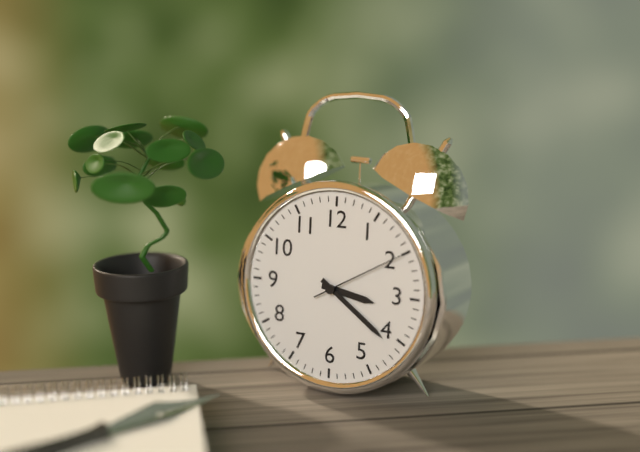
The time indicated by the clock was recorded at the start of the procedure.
3:21:10
